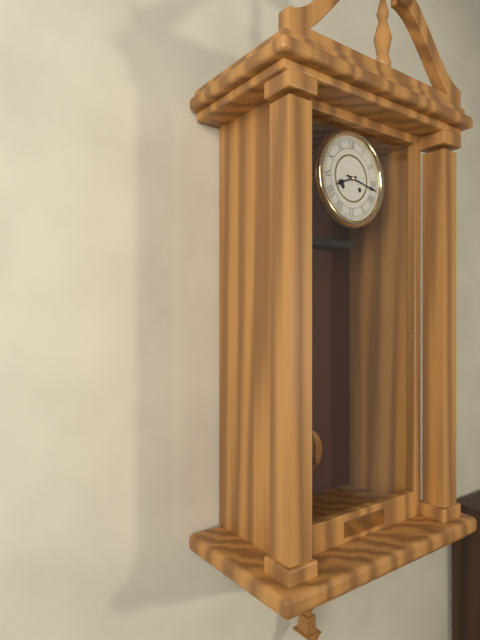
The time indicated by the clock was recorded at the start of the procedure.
8:17
